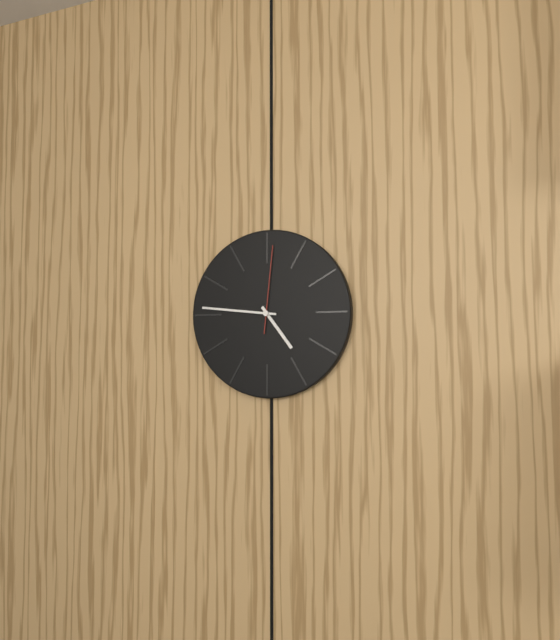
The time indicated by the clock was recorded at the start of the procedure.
4:46:01
